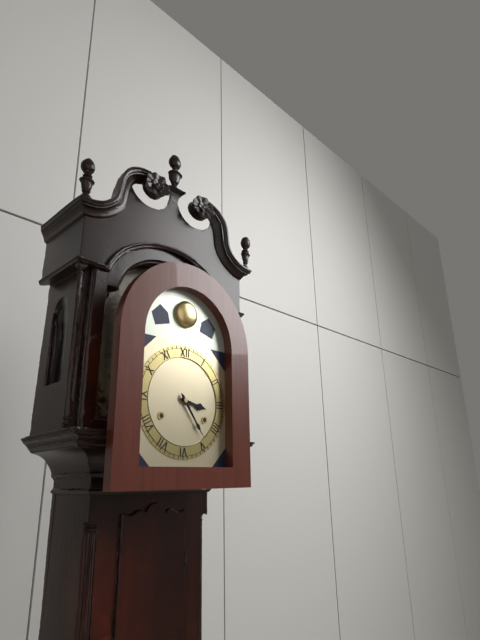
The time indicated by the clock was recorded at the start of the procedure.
3:24
